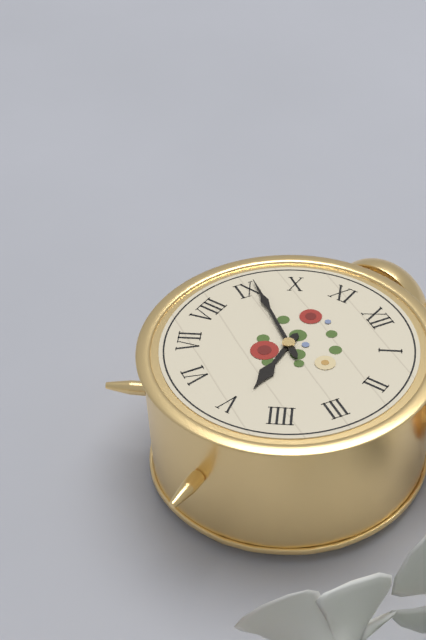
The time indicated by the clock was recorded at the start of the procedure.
4:46
